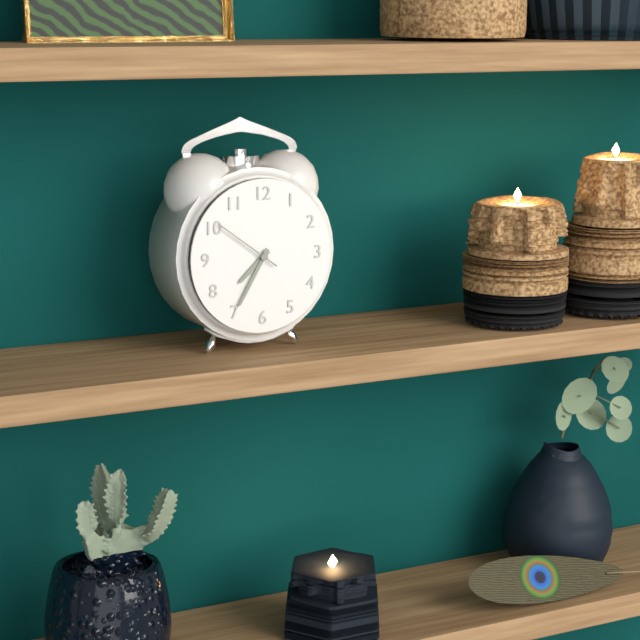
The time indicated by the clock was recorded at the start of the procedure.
7:35:51
